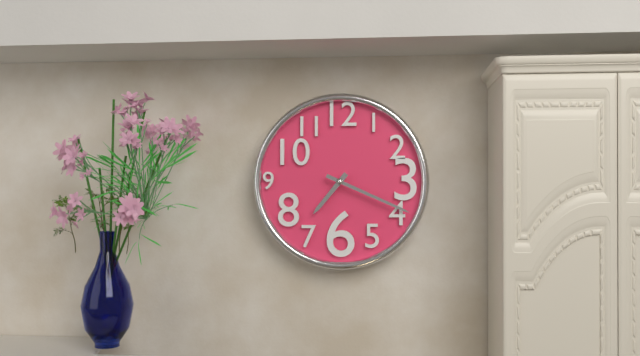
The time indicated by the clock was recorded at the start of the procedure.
7:19
